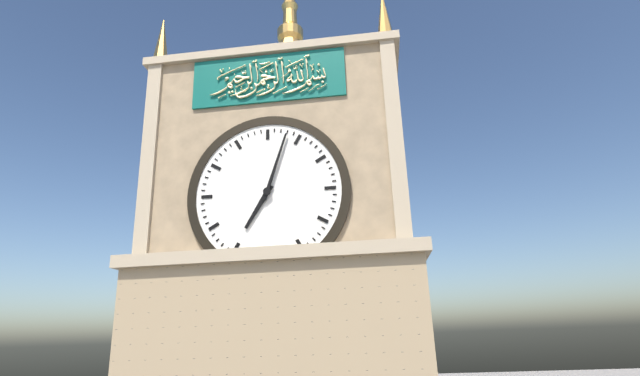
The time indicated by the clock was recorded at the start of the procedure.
7:03
